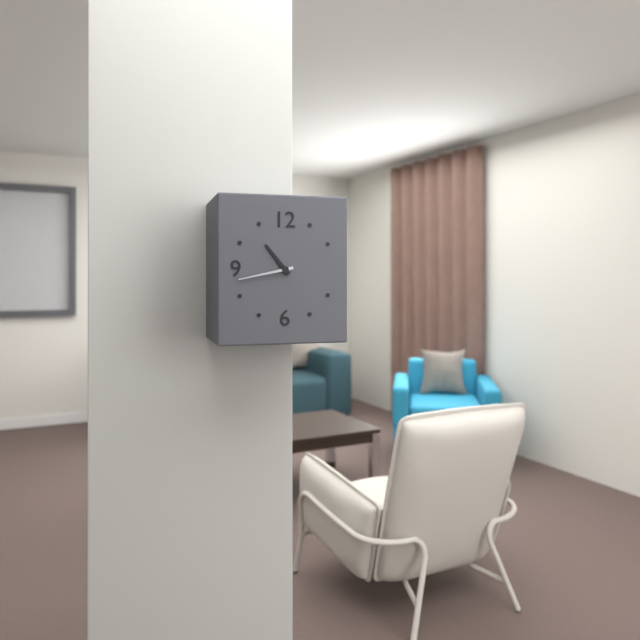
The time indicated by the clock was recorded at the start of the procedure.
10:43
